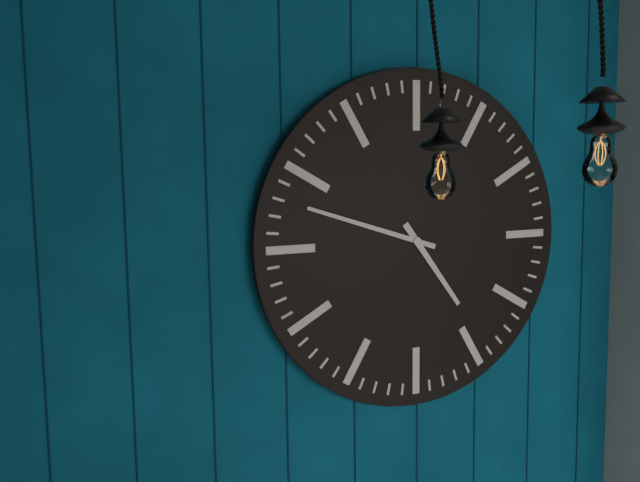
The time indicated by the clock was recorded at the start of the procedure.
4:48
